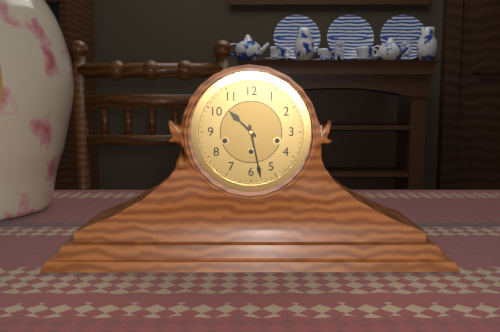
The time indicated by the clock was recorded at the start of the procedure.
10:28
